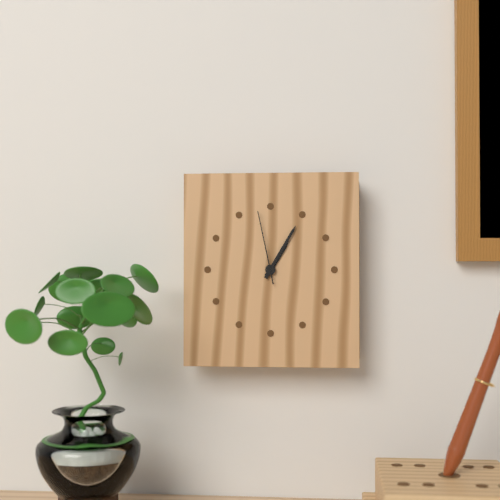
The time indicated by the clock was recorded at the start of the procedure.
1:05:58
